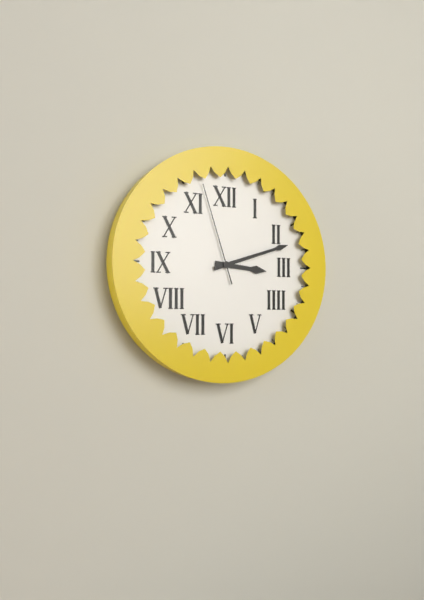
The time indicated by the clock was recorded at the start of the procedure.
3:12:57
